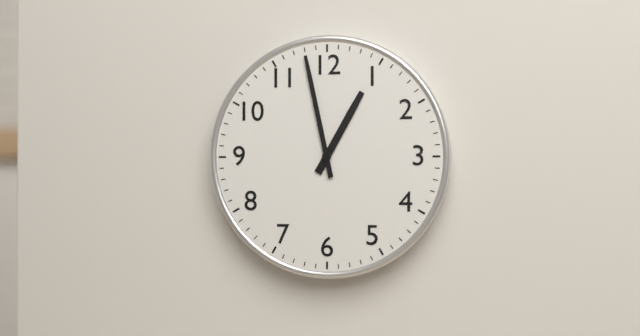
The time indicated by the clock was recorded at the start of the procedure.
12:58
